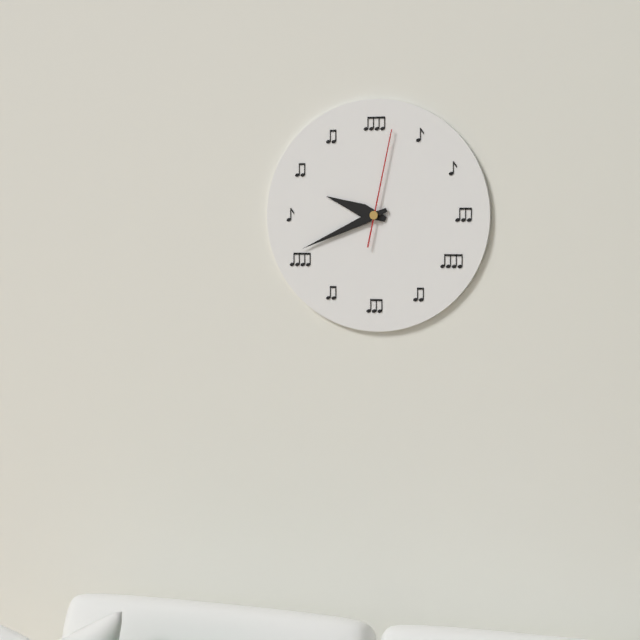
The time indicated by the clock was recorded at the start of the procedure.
9:41:02
